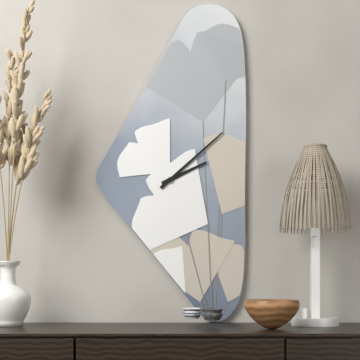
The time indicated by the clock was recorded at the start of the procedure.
2:08
